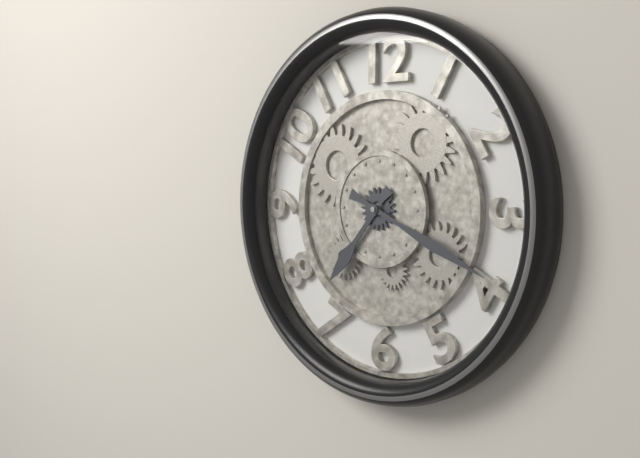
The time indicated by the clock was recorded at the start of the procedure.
7:19
